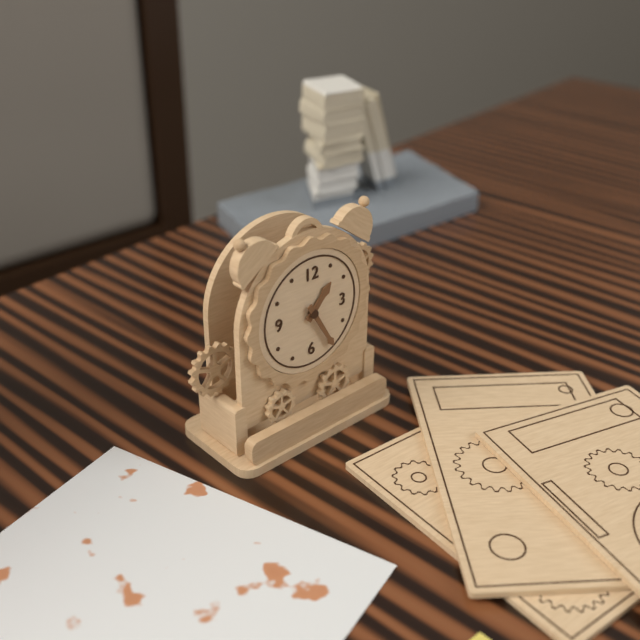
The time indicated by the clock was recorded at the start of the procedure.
1:25
